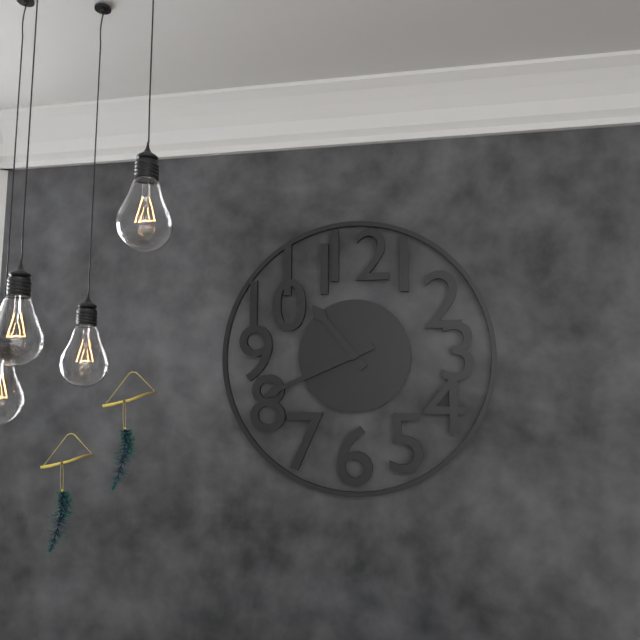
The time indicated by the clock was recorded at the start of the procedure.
10:41
